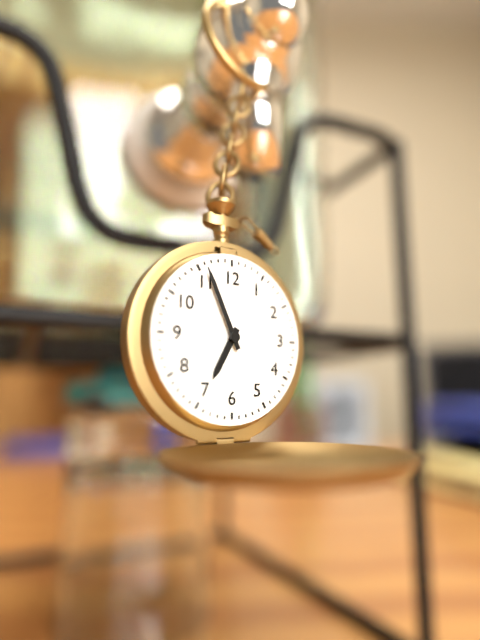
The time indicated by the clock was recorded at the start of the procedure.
6:56
